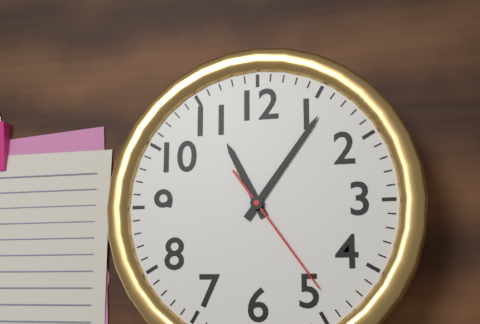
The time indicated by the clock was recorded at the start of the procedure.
11:06:24
